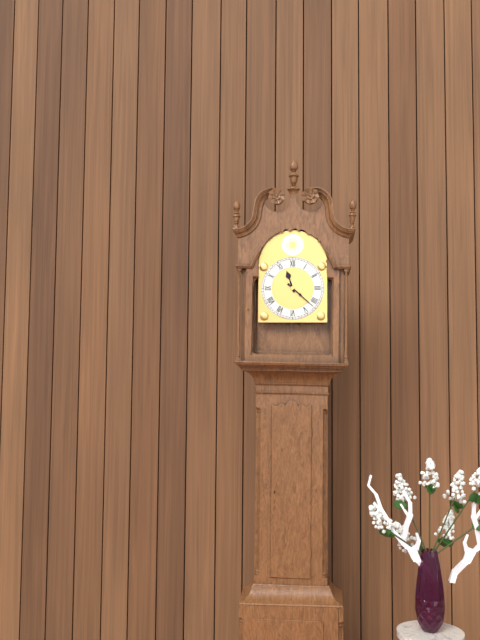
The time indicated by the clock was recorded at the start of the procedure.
11:22
